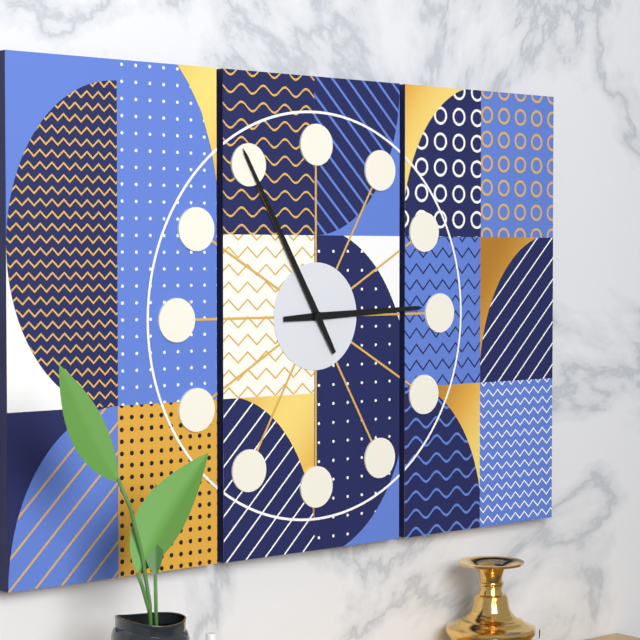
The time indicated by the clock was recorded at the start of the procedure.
2:55
